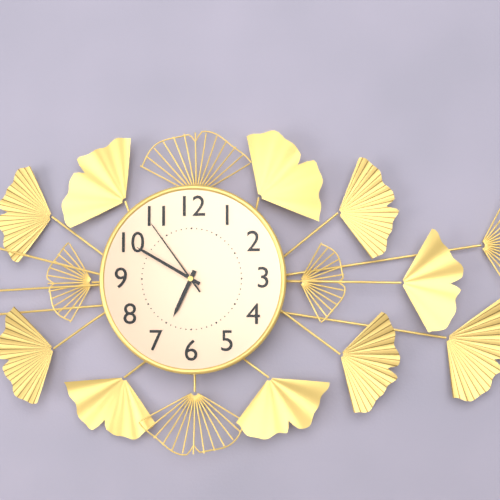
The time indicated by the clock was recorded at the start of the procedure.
6:50:54
